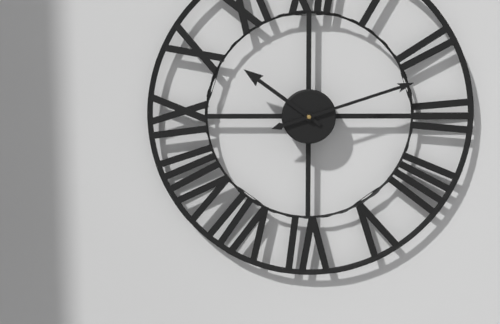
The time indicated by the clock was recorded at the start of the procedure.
10:12
